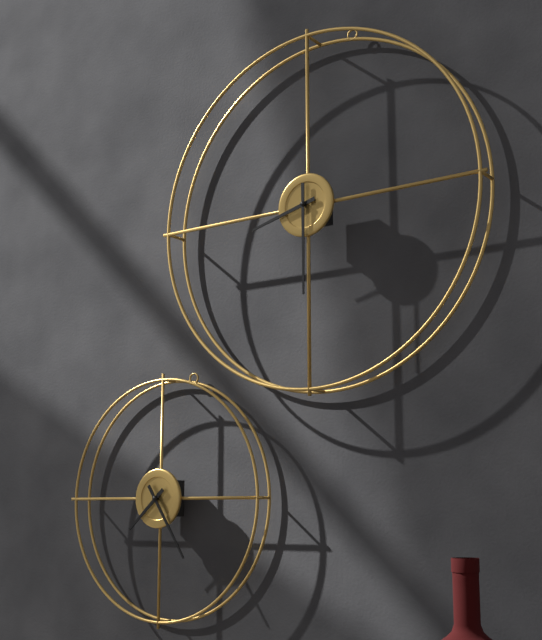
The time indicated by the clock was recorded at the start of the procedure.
8:30
